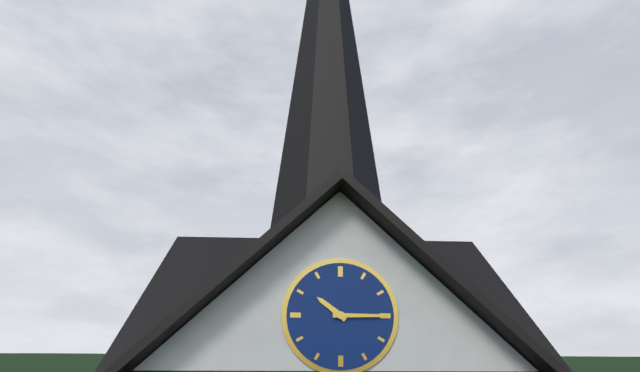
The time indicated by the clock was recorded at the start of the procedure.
10:15
